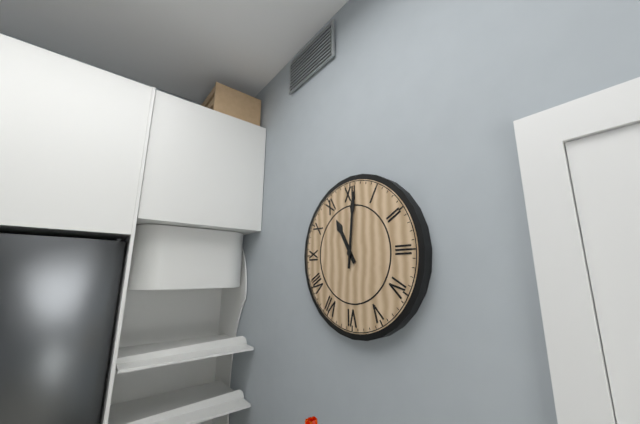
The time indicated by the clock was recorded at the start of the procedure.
11:01
